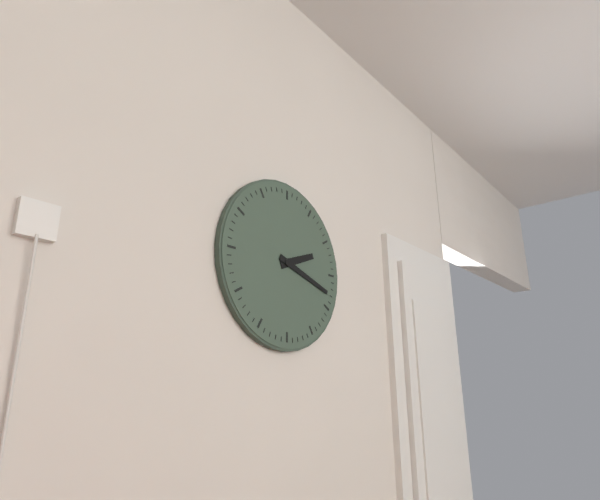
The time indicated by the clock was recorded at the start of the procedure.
2:18
